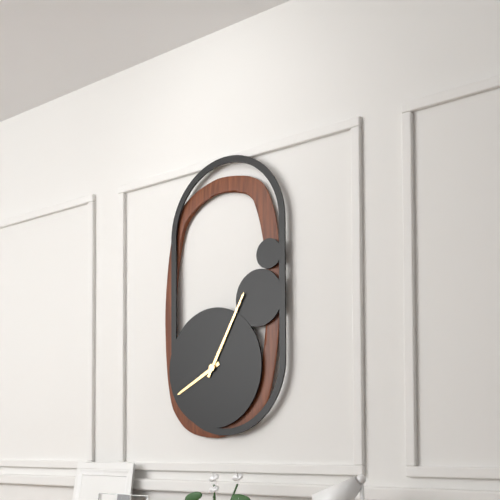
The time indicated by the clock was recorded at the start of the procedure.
8:05
